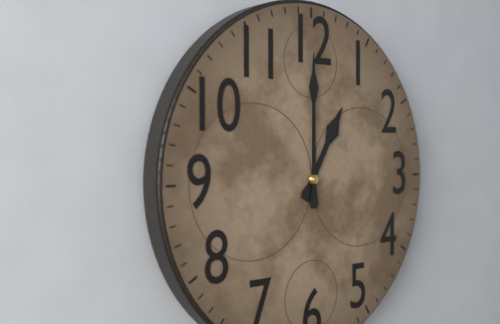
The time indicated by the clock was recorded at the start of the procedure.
1:00
